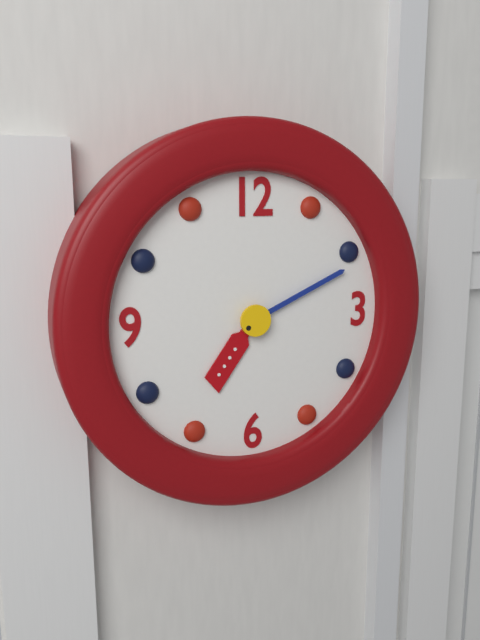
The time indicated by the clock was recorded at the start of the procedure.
7:11
